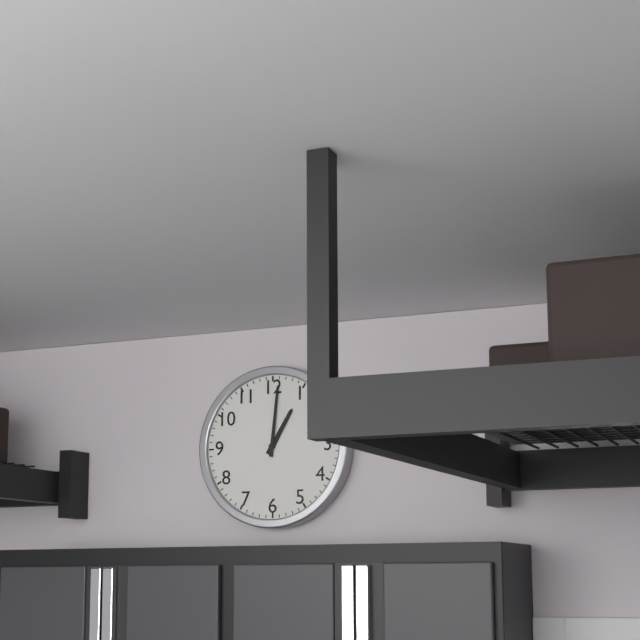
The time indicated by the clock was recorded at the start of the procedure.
1:01
